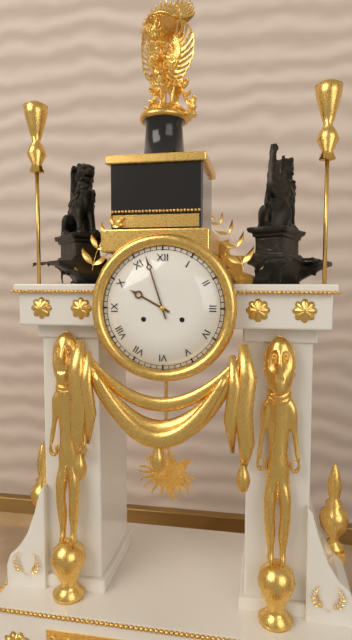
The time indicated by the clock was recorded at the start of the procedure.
9:57
